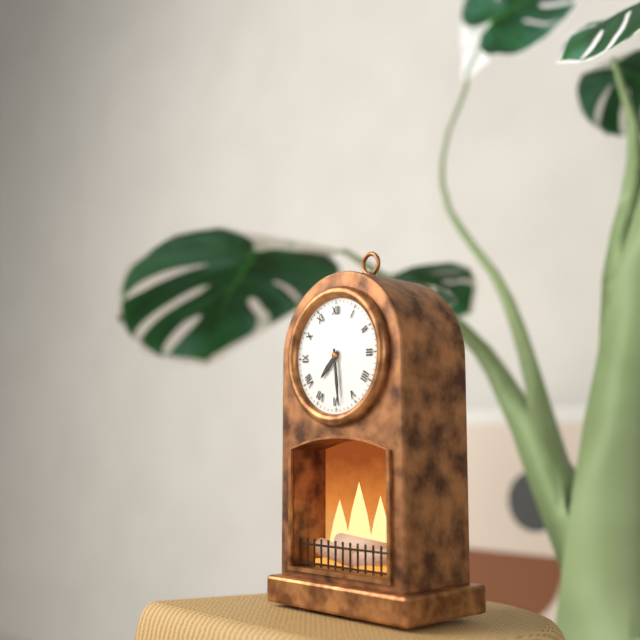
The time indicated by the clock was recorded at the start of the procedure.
7:29
